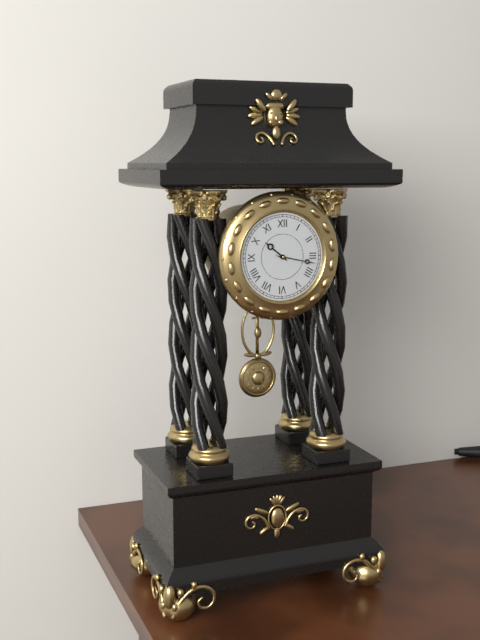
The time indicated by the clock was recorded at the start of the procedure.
10:17
